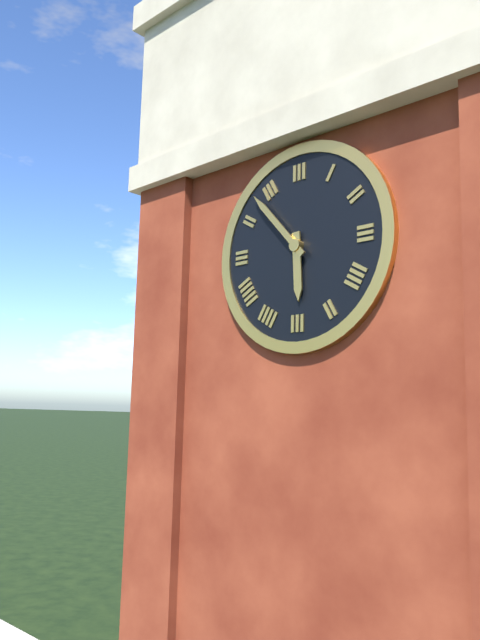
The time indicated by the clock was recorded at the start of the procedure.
5:53
